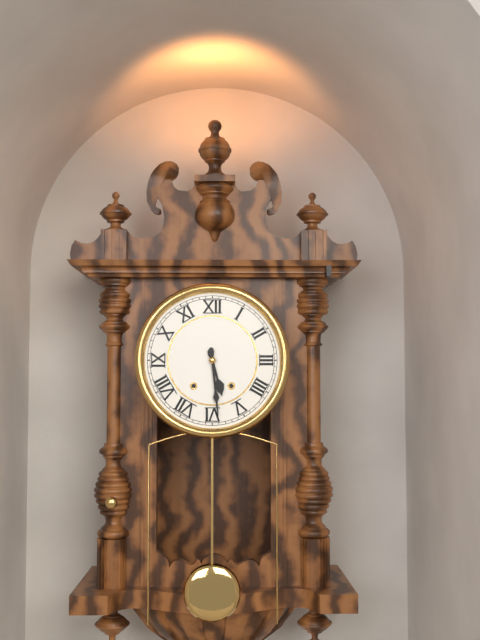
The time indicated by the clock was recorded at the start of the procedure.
5:29
